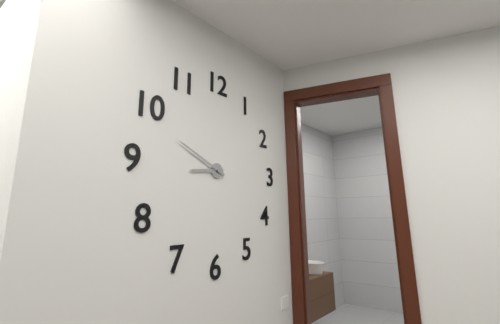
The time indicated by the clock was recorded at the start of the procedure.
8:49
